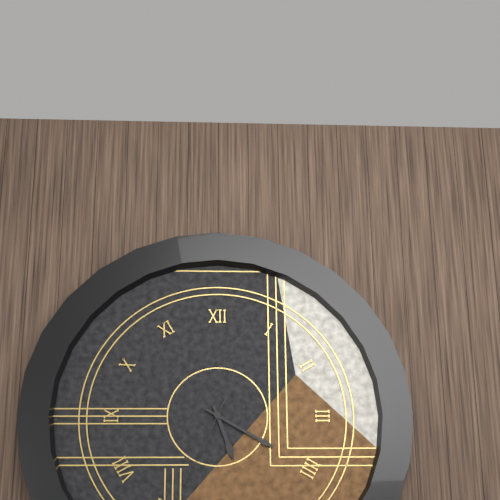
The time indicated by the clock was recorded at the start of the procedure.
5:20:34
